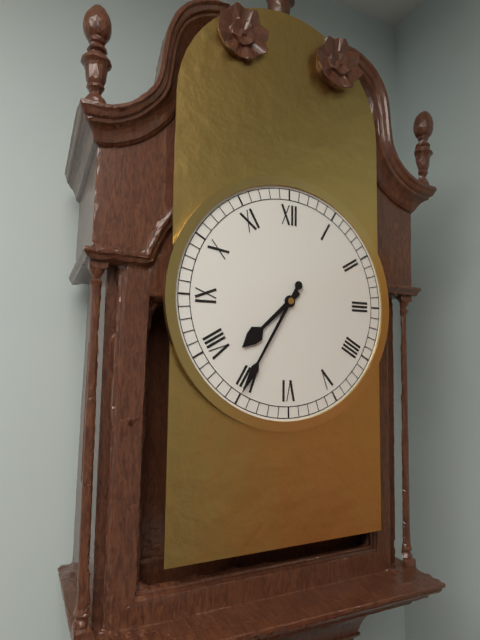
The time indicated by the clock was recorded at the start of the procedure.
7:35
